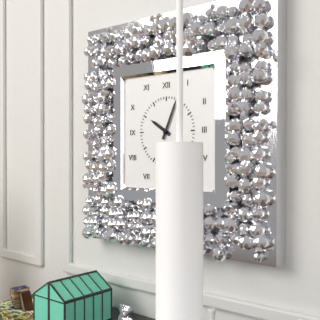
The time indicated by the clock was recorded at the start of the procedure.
10:04
